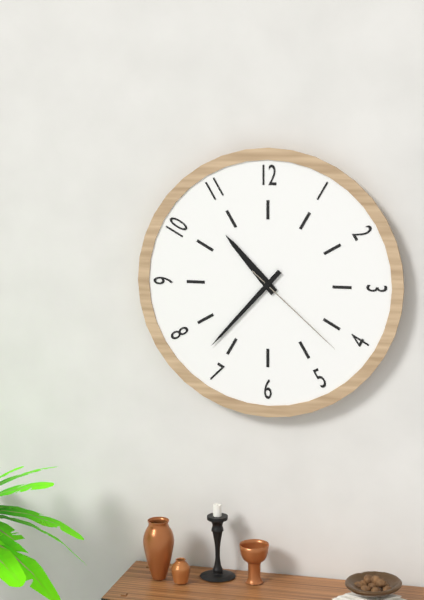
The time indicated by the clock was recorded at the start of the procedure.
10:37:22
